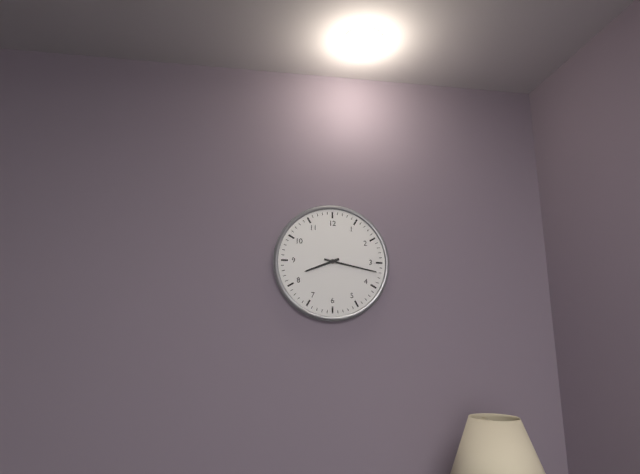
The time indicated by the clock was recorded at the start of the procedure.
8:17
